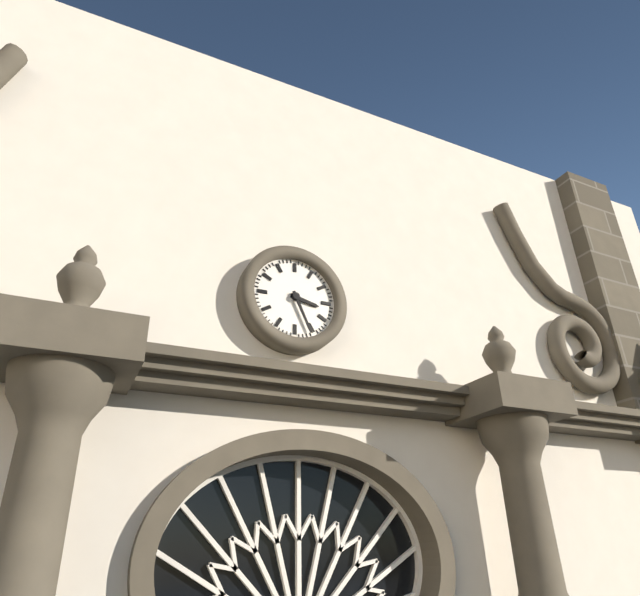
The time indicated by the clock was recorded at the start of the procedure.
3:26
